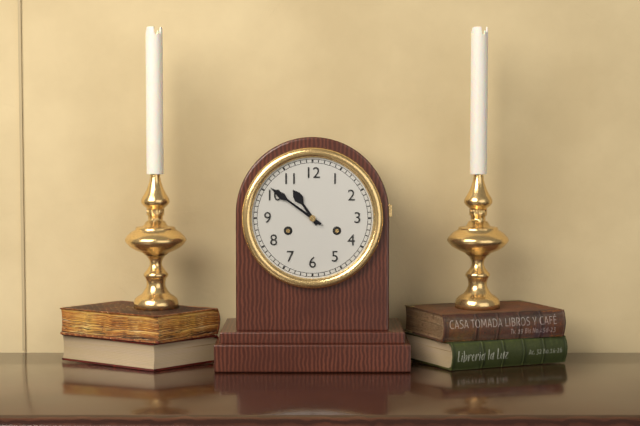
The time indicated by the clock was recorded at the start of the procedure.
10:51
